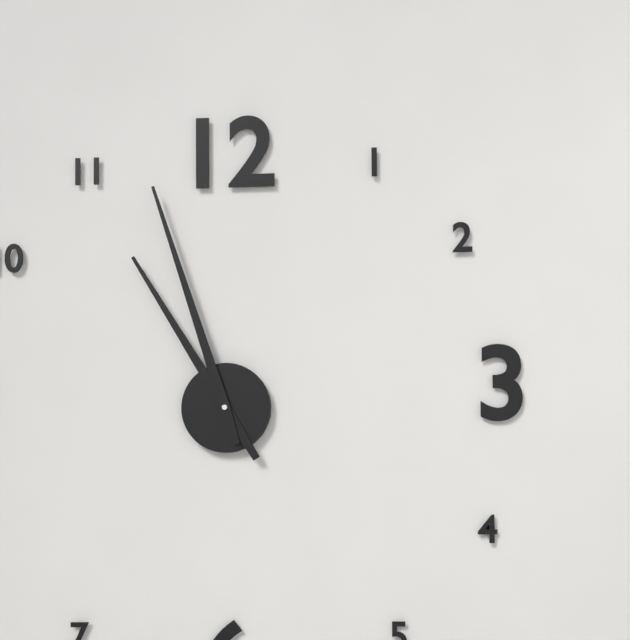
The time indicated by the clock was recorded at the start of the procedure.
10:57
